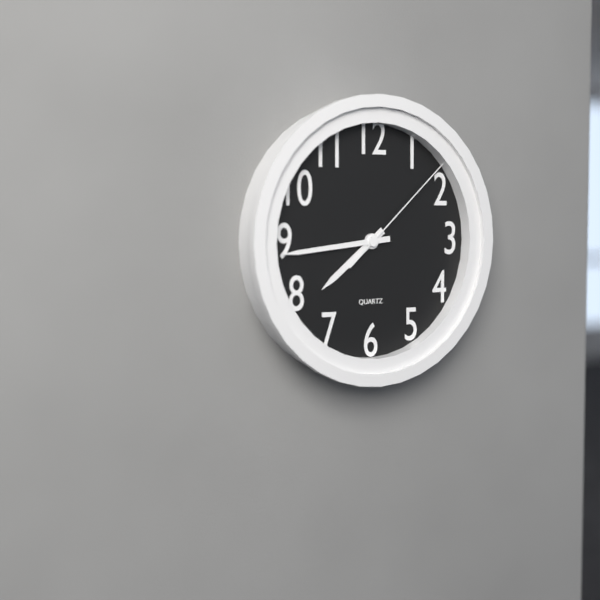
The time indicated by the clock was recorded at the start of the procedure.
7:44:08
